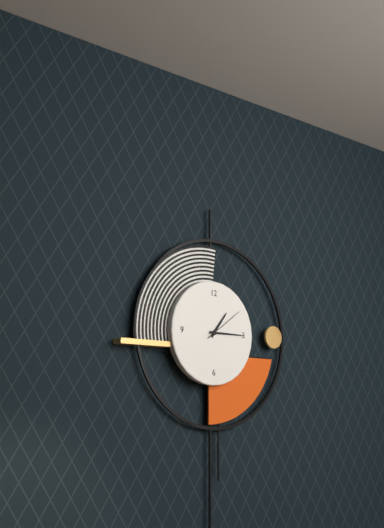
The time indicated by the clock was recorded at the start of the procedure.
1:15
